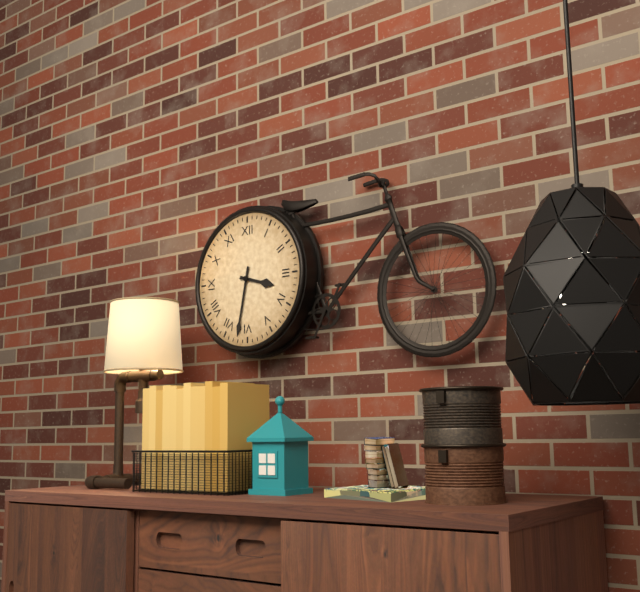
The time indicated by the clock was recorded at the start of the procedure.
3:32
